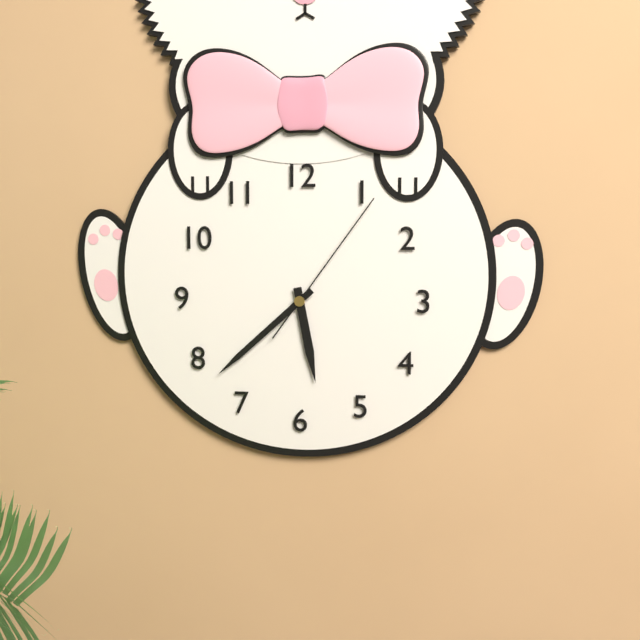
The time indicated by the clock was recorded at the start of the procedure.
5:38:06
